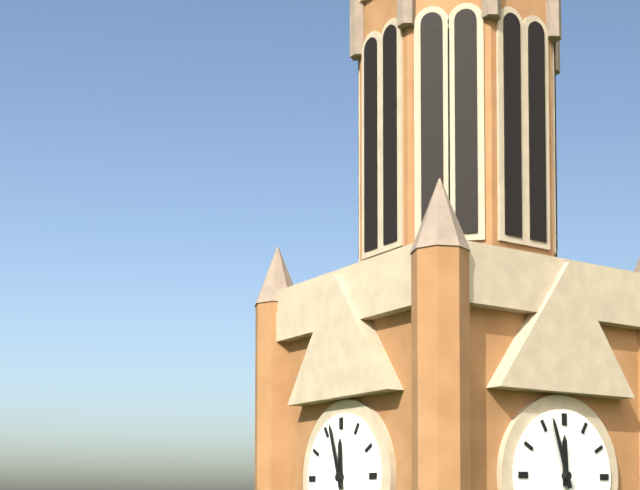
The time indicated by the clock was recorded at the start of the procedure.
11:57
